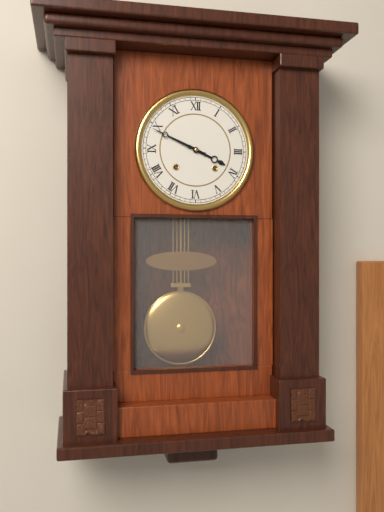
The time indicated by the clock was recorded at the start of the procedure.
3:49
